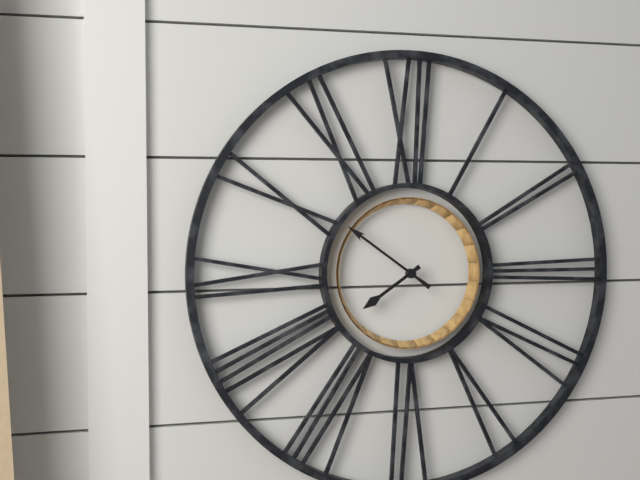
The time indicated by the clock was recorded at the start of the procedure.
7:51
